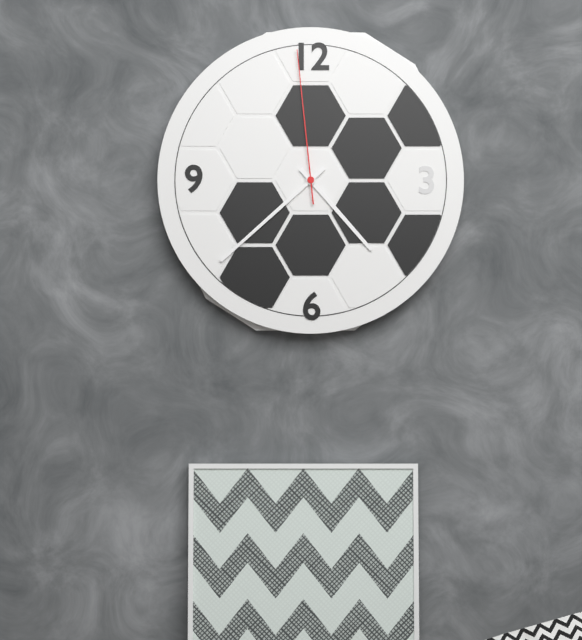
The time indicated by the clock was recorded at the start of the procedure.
4:38:59
